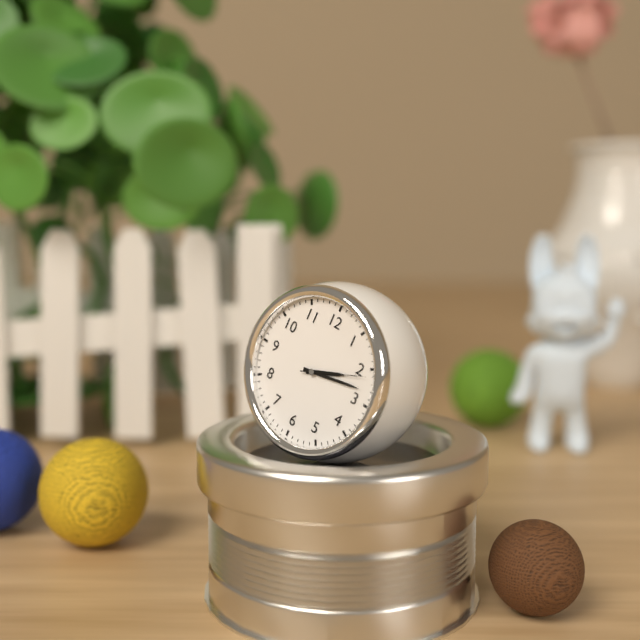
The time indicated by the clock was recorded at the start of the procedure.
2:13:11
